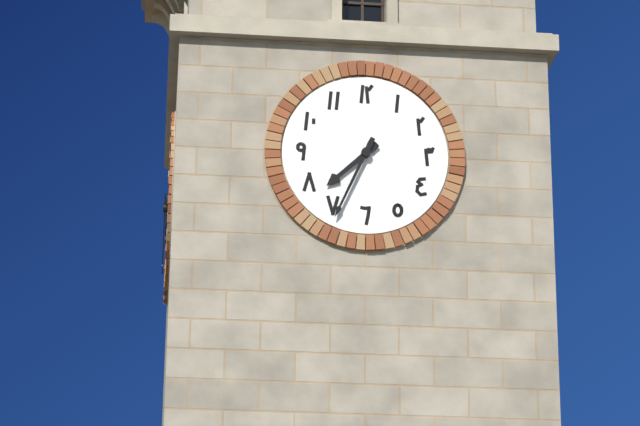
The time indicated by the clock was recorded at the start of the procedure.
7:34
